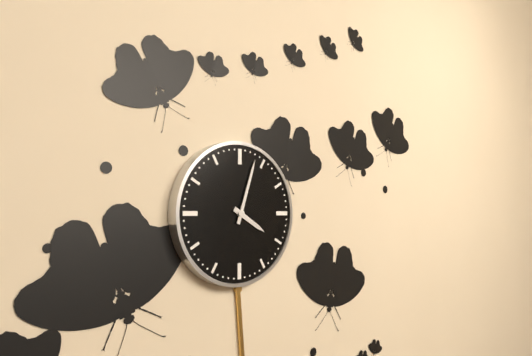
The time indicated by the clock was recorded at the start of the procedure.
4:03
